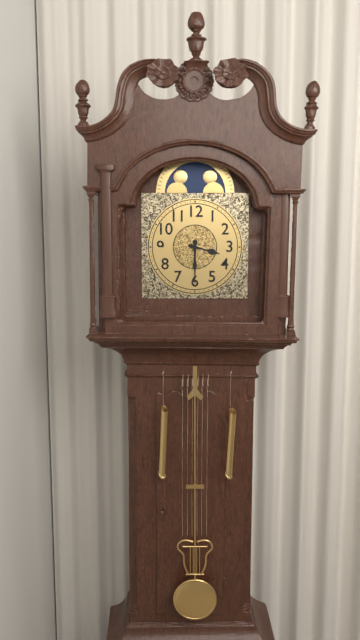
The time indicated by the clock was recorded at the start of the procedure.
3:30
